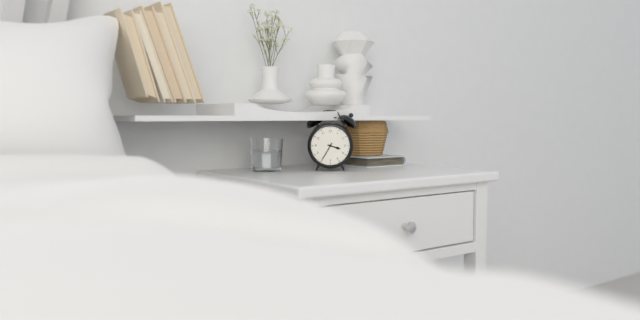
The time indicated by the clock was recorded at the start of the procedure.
3:35
